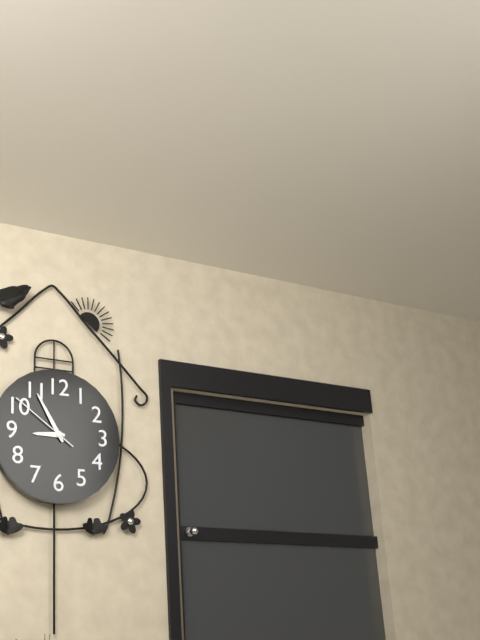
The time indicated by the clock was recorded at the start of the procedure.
8:55:51
